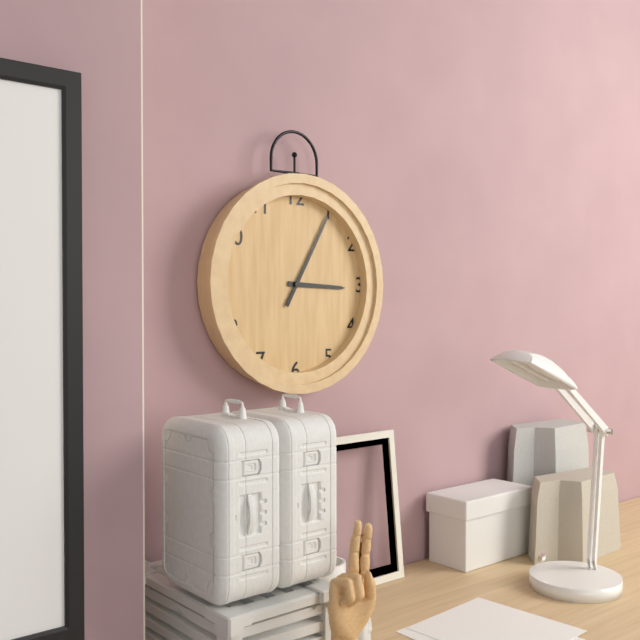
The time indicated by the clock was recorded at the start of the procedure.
3:05
